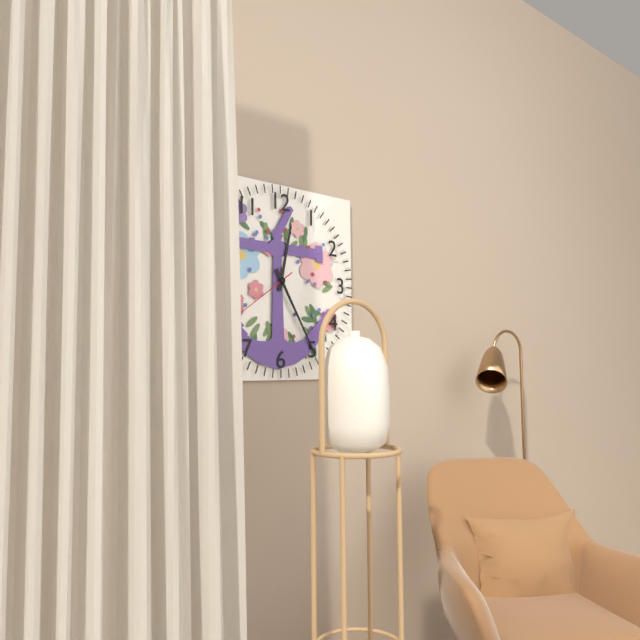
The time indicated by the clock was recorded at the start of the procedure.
12:25:39
